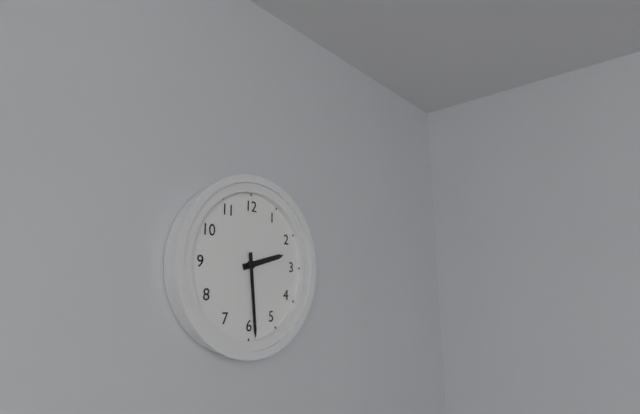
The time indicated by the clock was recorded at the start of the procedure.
2:29
